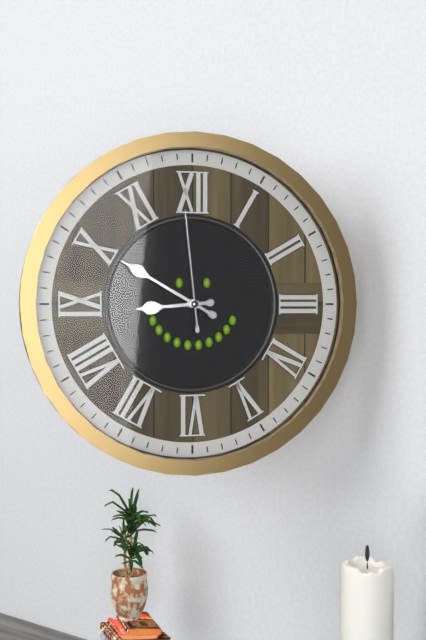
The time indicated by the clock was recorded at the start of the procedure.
8:50:59
